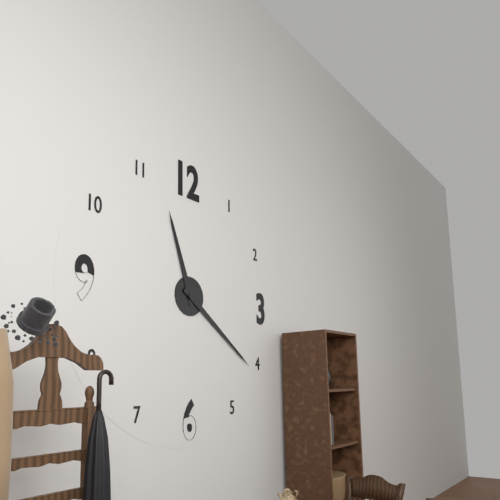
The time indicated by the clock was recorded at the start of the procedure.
11:21
